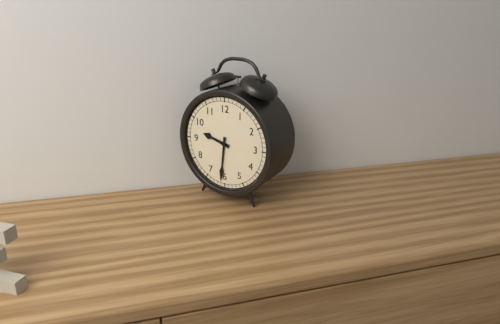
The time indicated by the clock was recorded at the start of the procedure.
9:31
